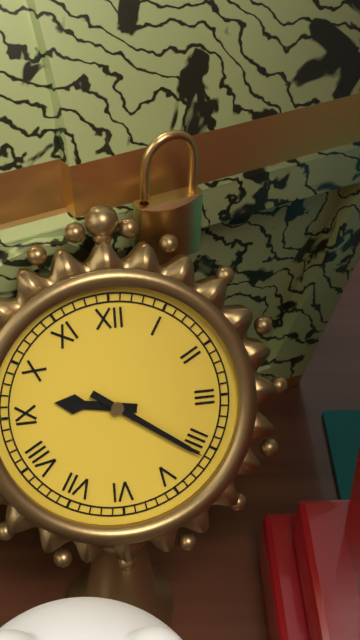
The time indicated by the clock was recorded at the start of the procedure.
9:21
